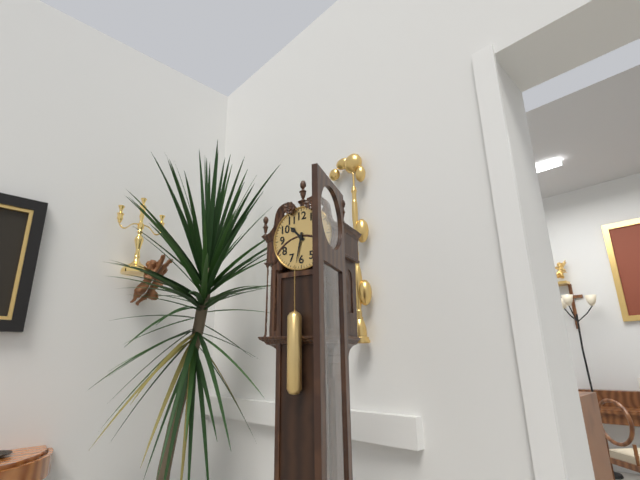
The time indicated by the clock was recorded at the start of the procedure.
10:32
